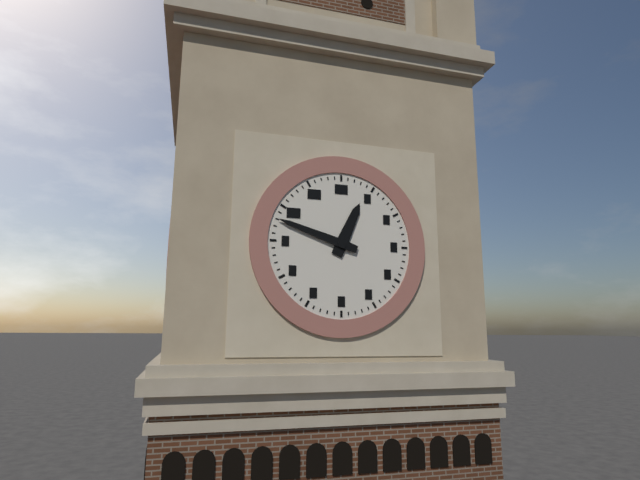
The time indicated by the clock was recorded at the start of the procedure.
12:48
